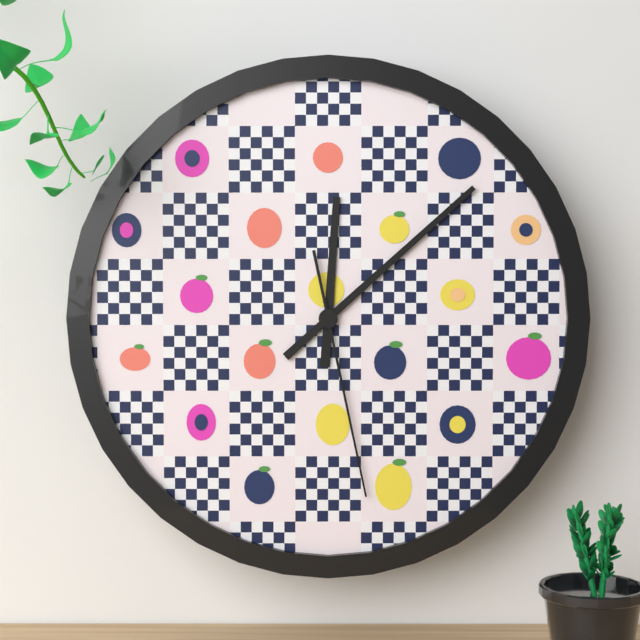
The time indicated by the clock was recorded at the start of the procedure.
12:08:28
